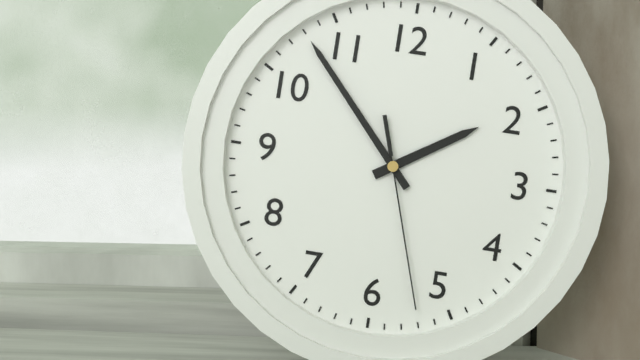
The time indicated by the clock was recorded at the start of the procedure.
1:53:27
